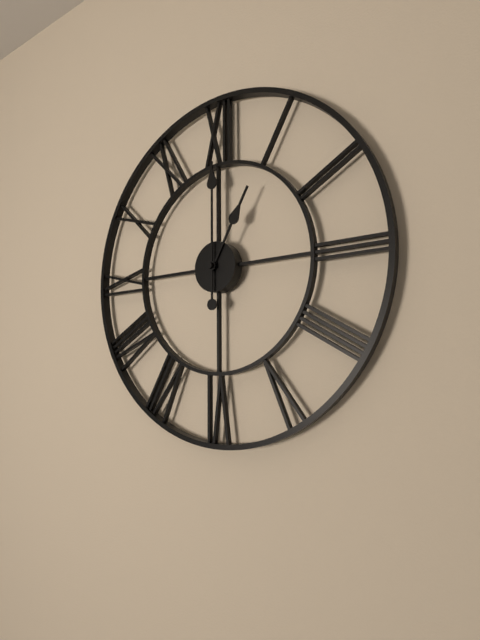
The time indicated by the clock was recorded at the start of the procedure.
1:00
